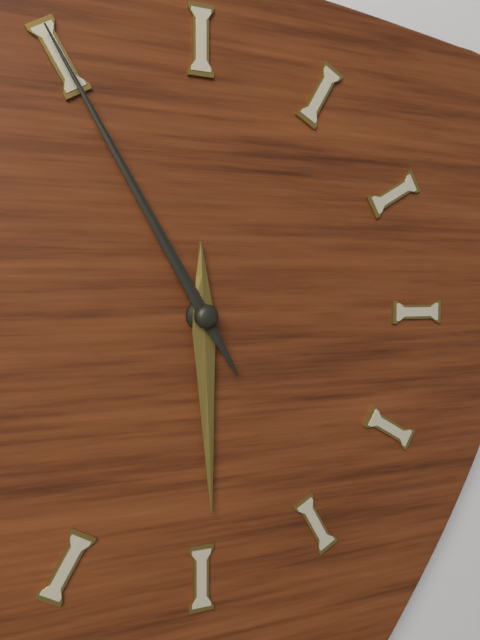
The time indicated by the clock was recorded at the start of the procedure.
5:55
